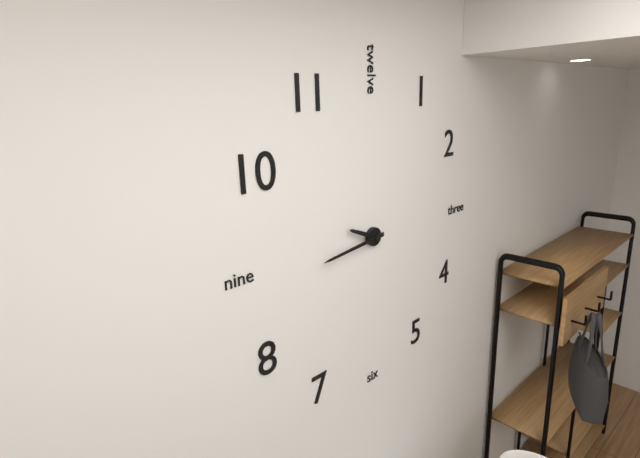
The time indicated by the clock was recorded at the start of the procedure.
9:44
